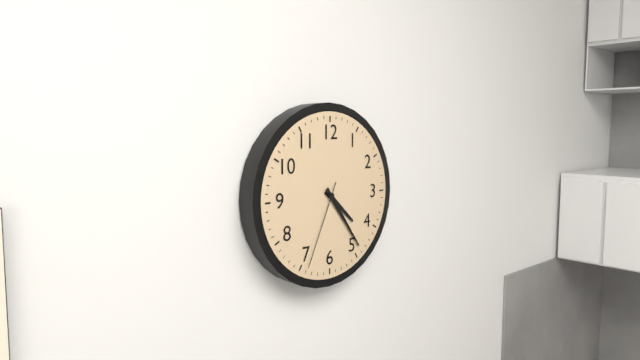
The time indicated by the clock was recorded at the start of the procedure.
4:24:34
